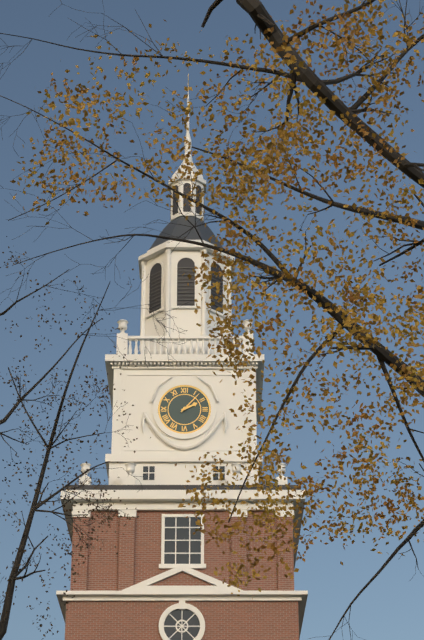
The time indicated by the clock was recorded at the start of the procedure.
2:07
